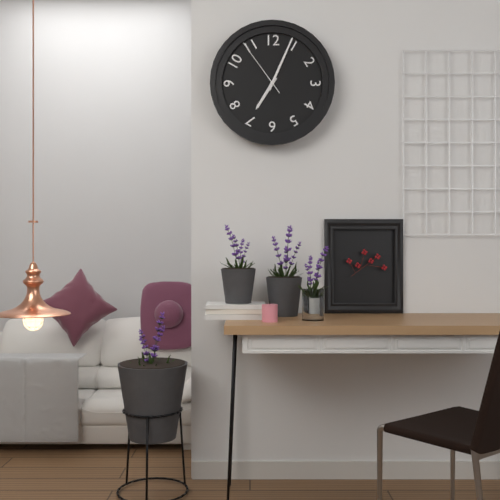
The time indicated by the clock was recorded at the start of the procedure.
7:04:54
